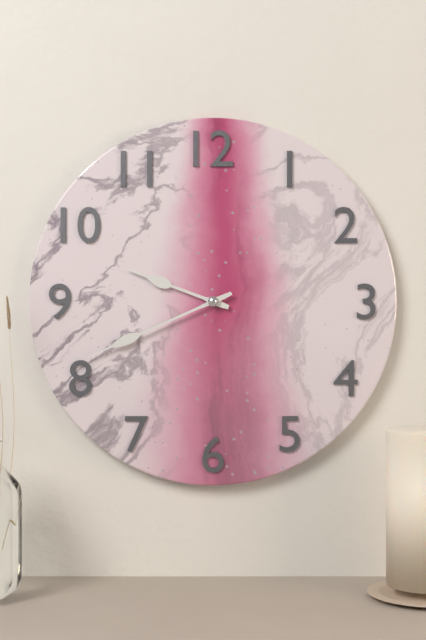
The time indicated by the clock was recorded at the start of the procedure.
9:41
